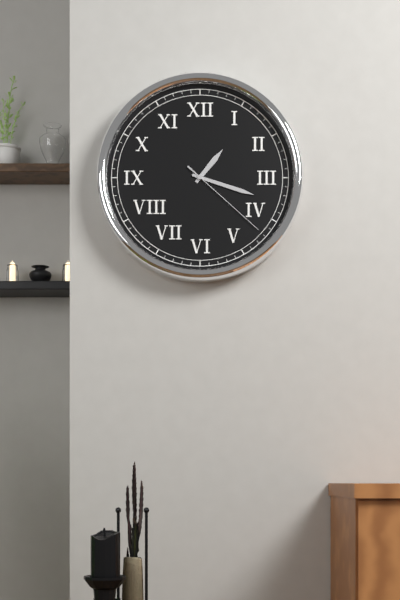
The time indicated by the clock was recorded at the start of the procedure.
1:18:22
